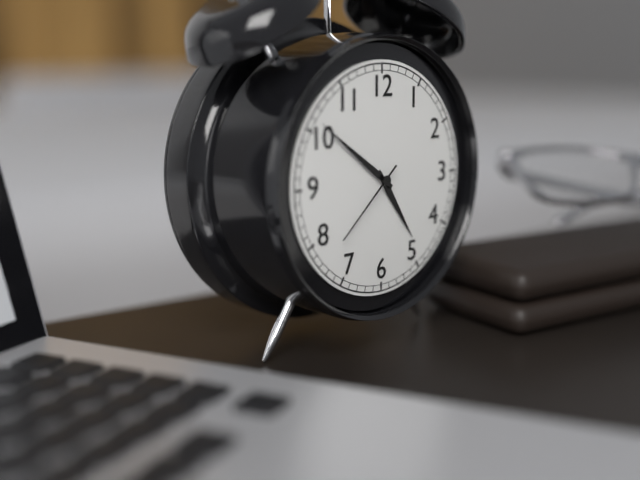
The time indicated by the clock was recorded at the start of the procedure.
4:51:38
